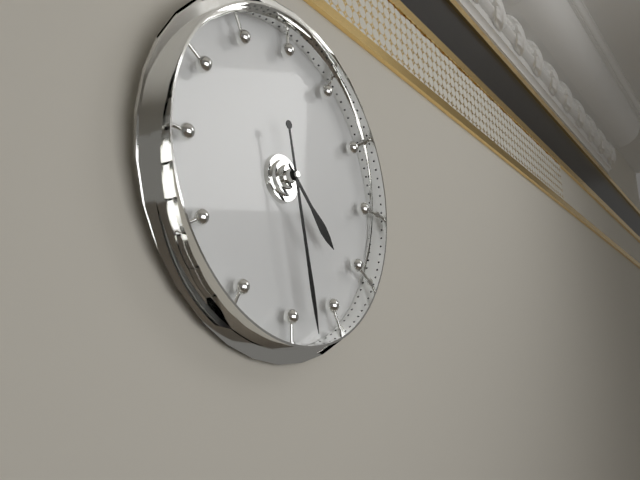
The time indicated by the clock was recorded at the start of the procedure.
4:28
